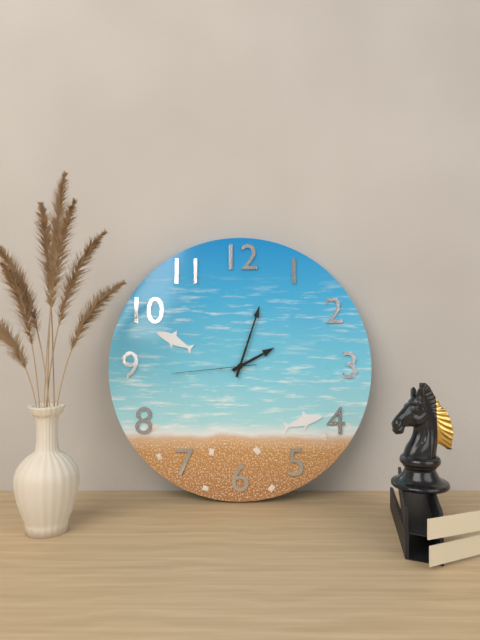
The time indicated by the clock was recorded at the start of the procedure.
2:03:44
